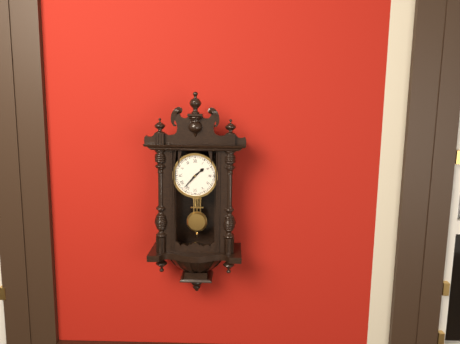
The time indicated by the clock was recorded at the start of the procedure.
1:37
